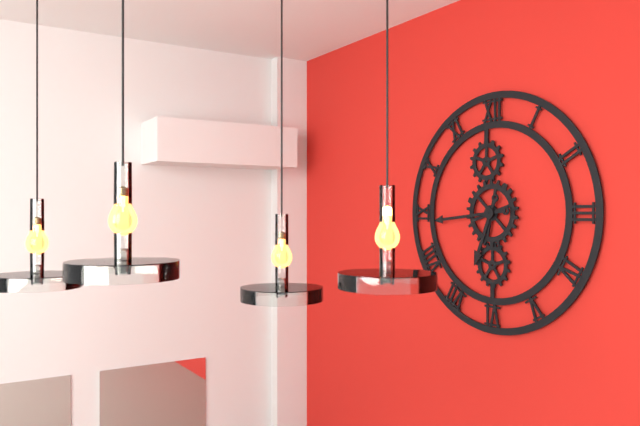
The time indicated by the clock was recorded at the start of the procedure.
6:44
